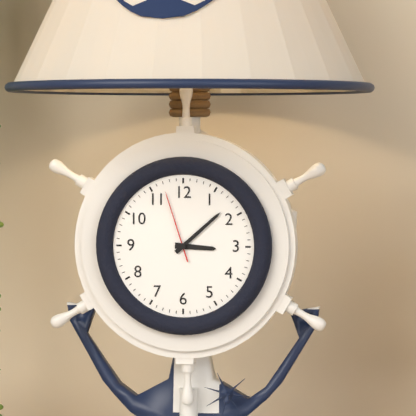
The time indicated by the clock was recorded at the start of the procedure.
3:08:57
